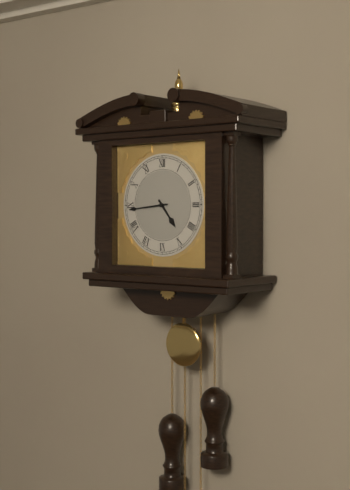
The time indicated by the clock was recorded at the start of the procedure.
4:44
